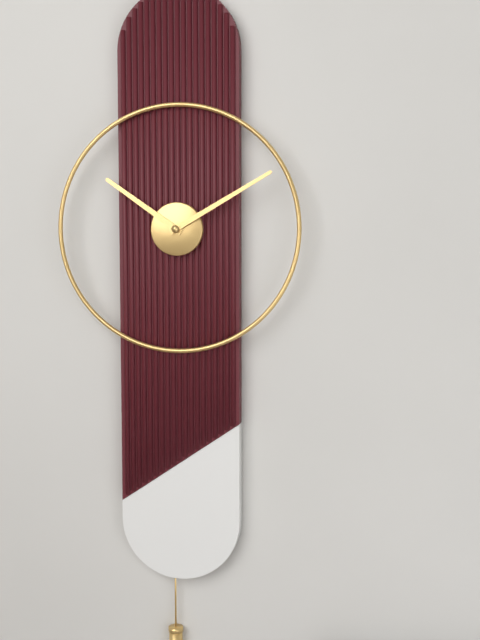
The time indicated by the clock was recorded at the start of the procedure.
10:10
